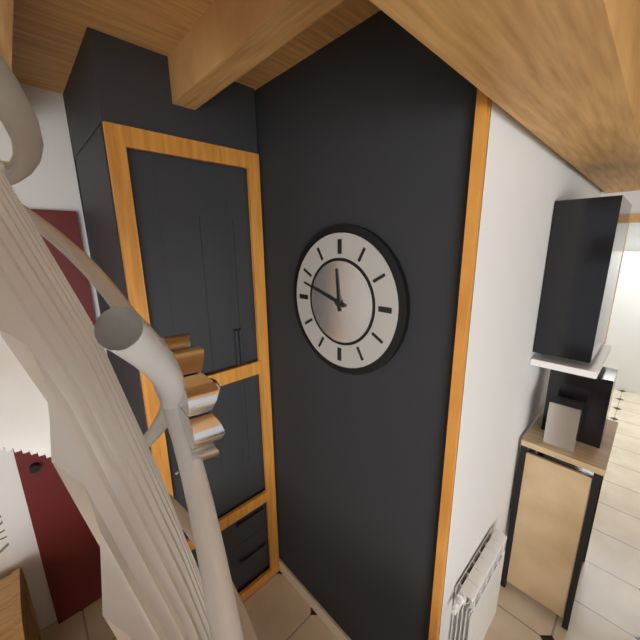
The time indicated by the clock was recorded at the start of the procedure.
11:48
